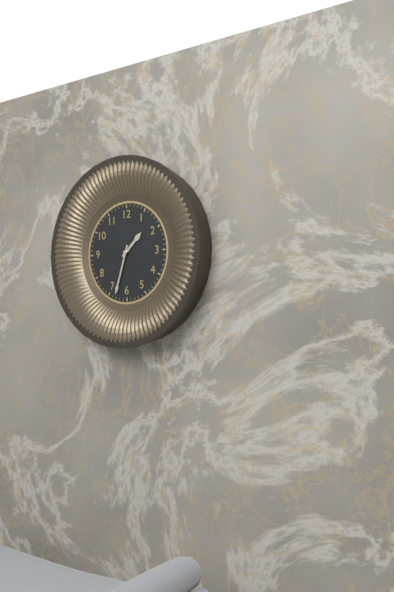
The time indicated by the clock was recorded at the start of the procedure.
1:33
